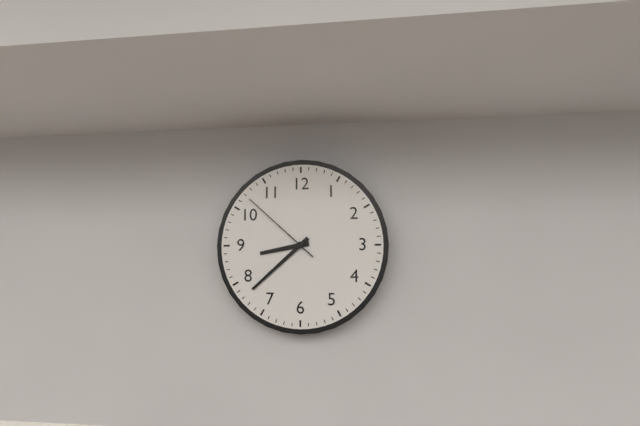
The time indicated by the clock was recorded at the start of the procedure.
8:38:52
